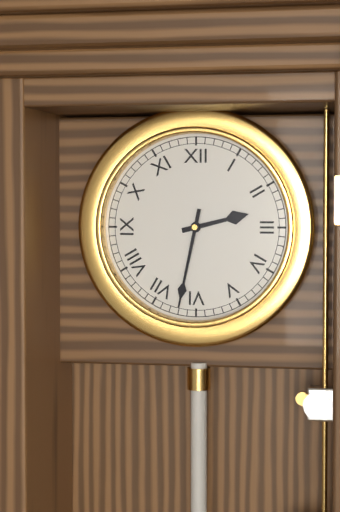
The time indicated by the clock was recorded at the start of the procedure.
2:32
